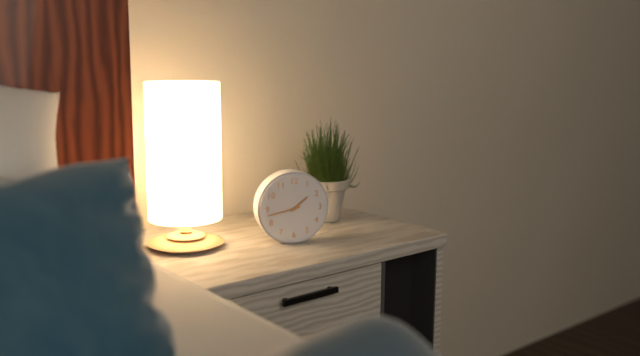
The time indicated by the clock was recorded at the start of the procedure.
1:43
